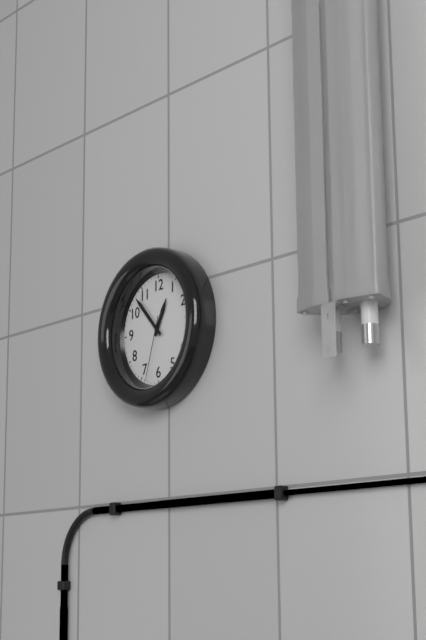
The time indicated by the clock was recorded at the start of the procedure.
12:53:33
